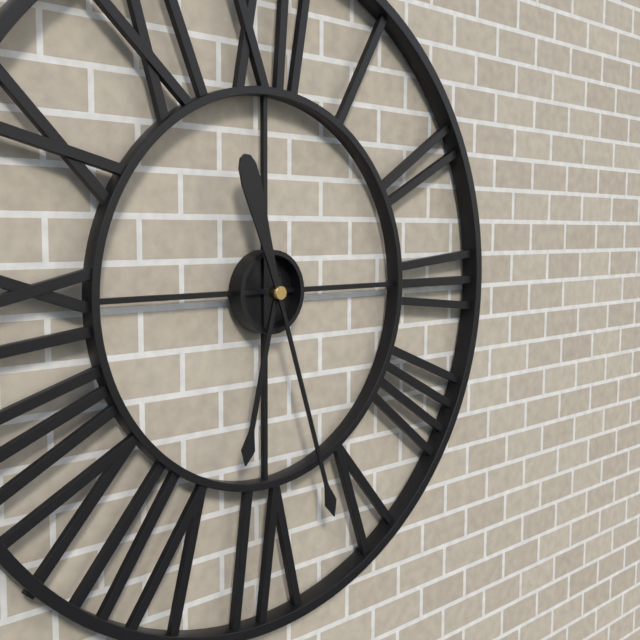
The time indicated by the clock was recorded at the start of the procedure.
6:27
